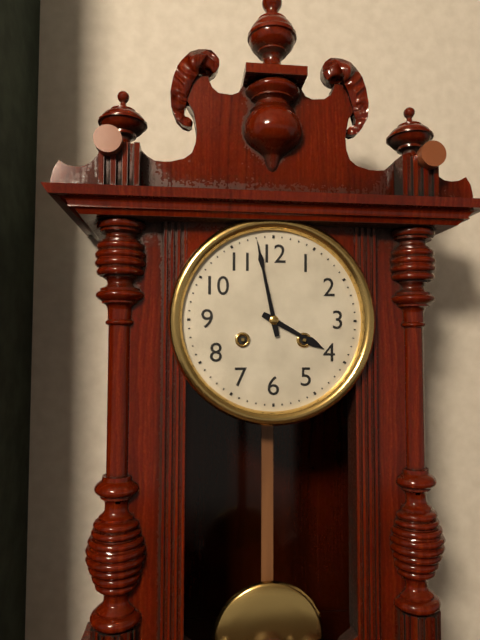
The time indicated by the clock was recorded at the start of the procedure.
3:58
